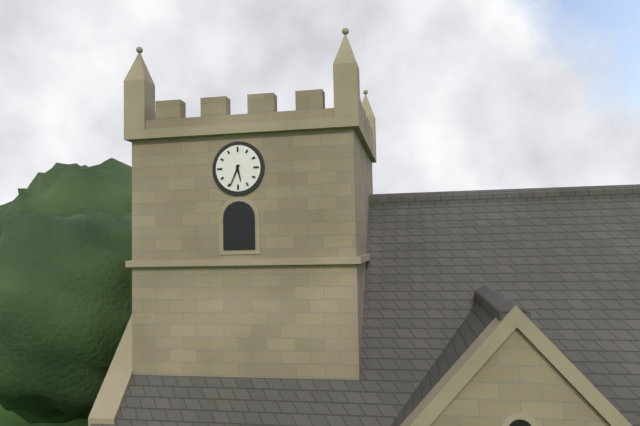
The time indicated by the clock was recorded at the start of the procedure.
5:34
